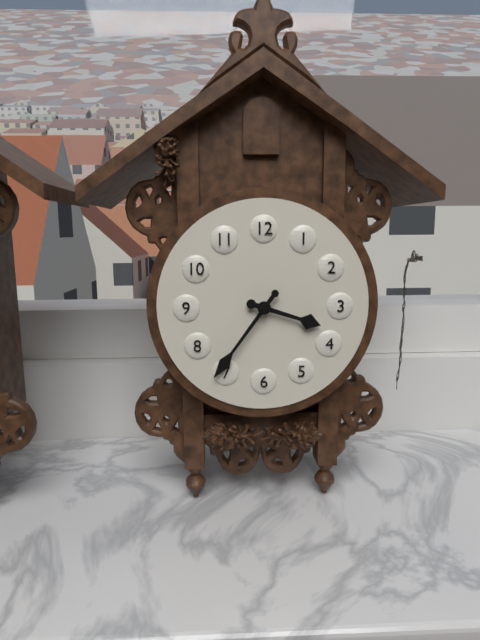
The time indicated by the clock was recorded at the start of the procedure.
3:36
